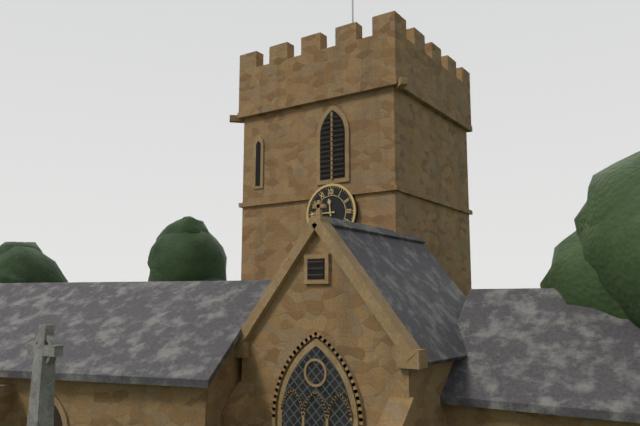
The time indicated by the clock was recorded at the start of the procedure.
11:45
